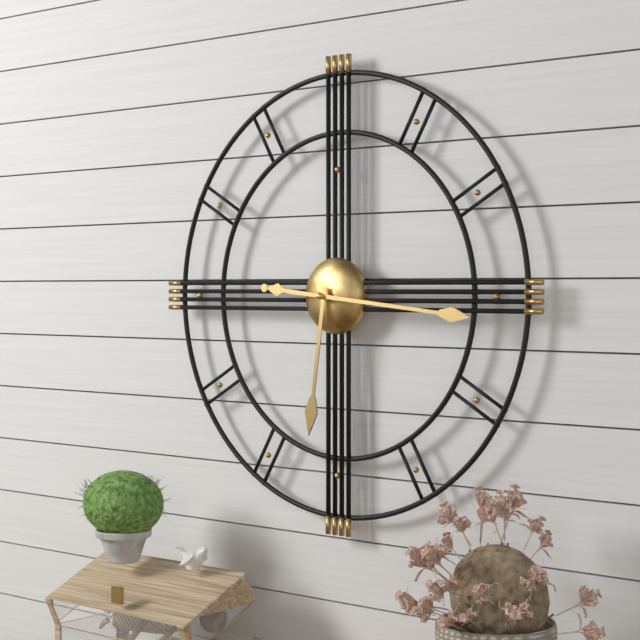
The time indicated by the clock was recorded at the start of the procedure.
6:16
